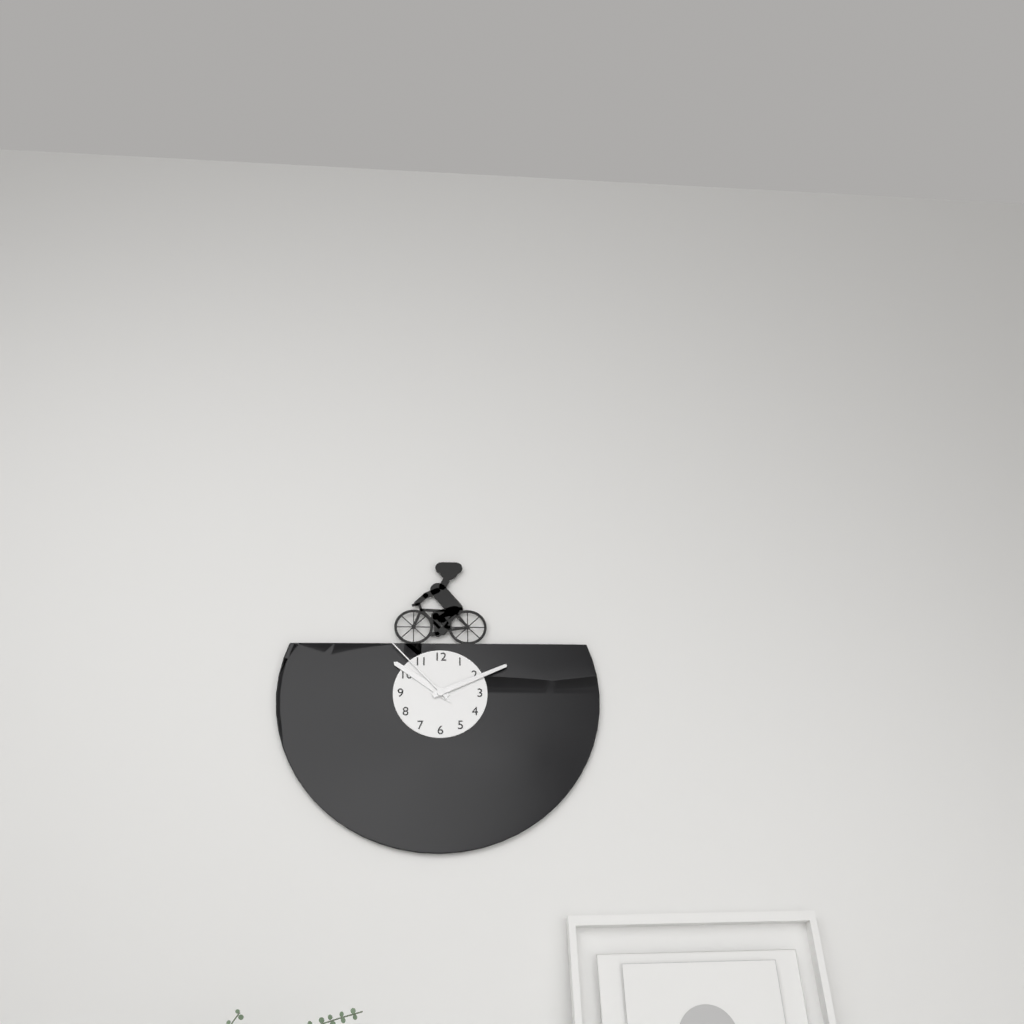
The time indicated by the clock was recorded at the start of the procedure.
10:11:53
